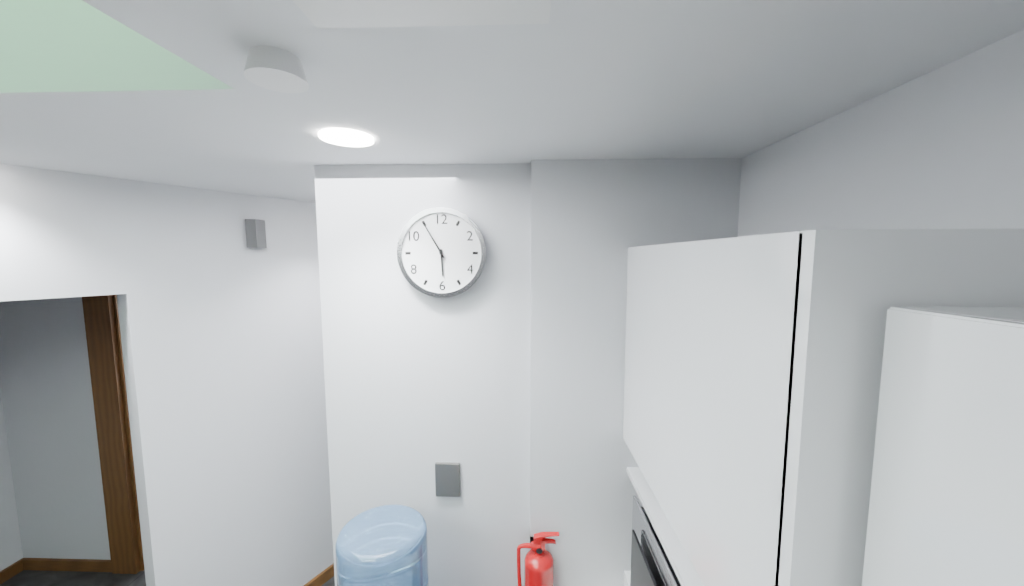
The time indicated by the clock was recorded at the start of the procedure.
5:55
